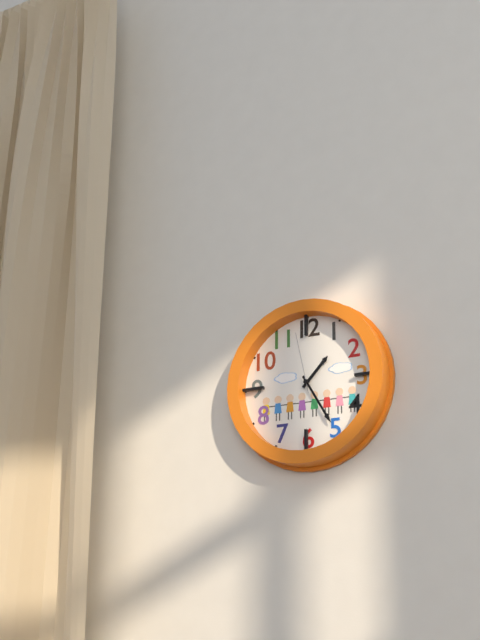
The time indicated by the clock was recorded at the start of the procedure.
1:25:58
